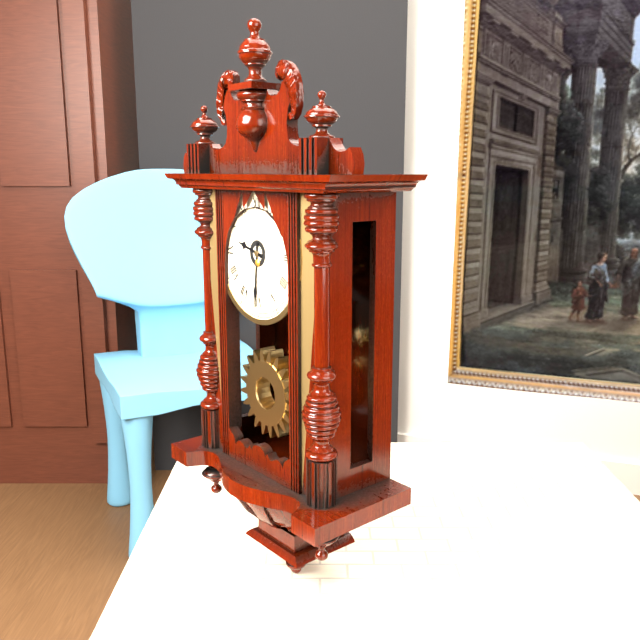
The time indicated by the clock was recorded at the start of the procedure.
9:31
